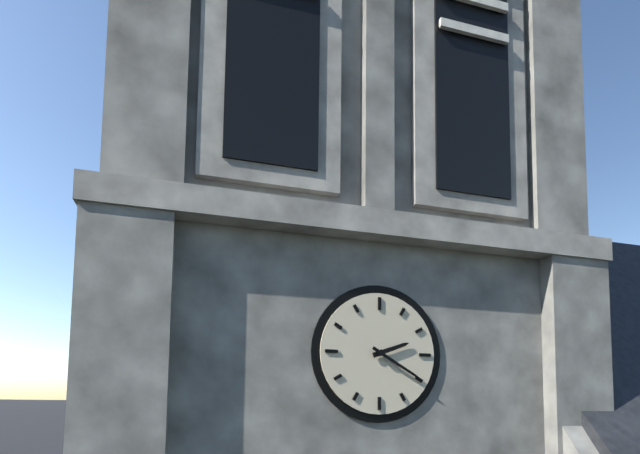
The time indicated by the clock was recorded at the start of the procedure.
2:20
